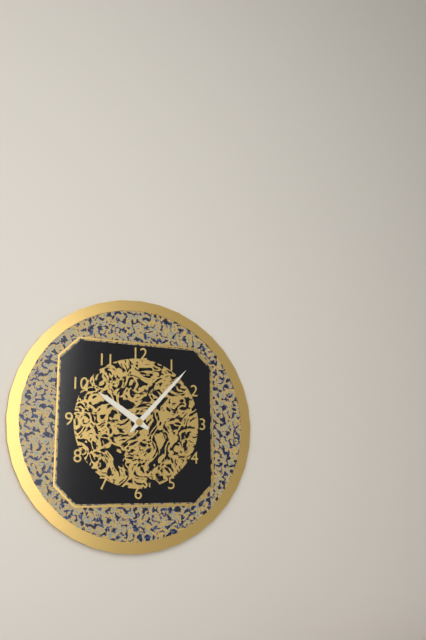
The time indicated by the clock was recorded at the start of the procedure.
10:07
